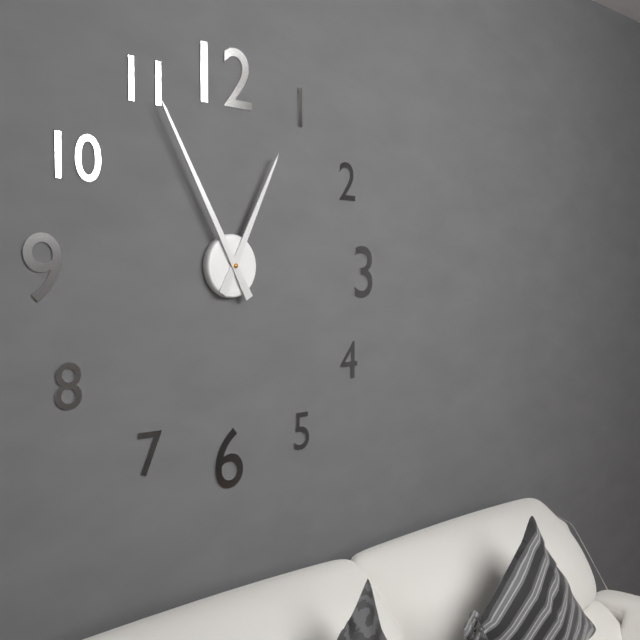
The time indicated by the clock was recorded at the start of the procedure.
12:55
